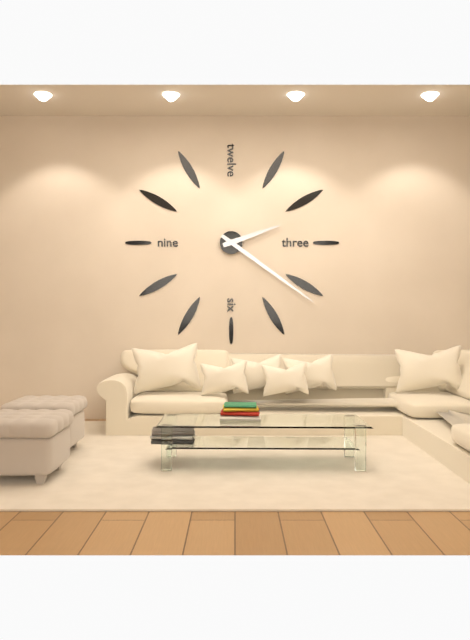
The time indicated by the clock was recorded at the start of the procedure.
2:21
